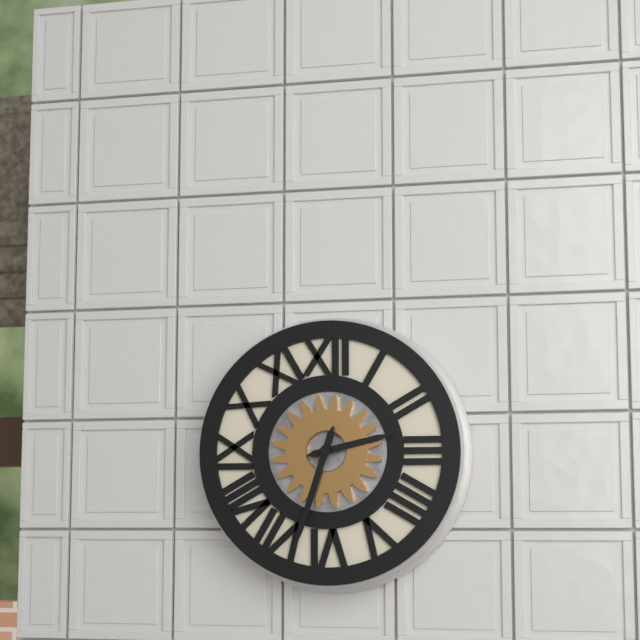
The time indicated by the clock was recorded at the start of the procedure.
2:33
